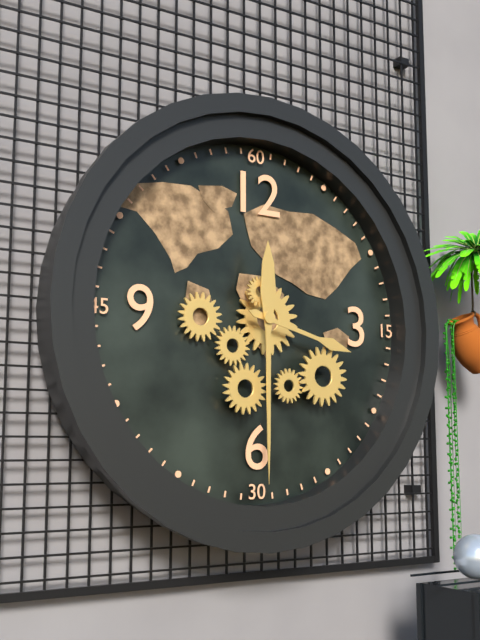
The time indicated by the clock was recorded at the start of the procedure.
3:30
